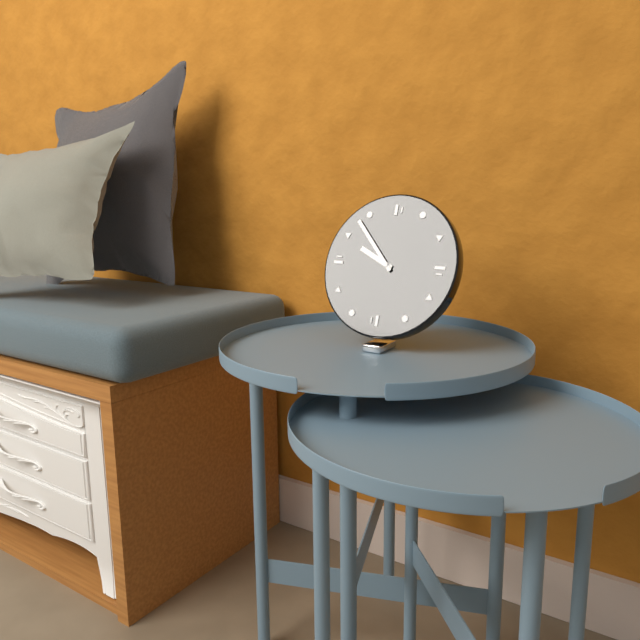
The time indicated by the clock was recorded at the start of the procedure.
9:53
